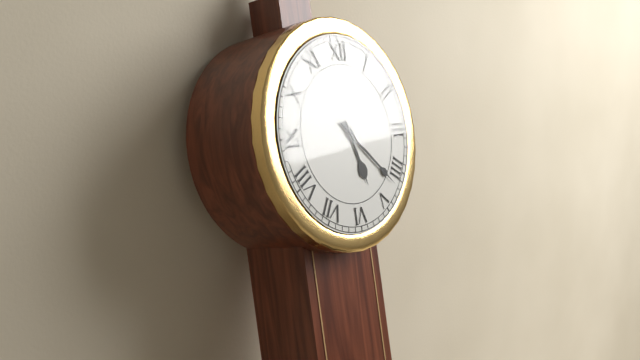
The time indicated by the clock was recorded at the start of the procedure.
5:22
